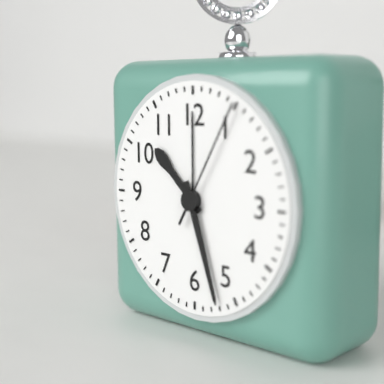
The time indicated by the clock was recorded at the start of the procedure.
10:27:05
